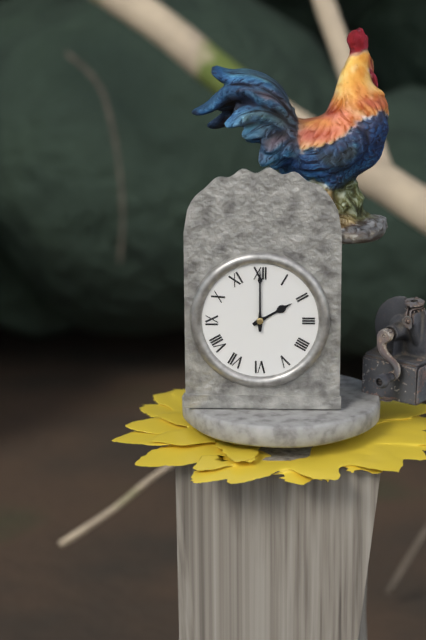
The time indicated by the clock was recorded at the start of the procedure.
2:00
